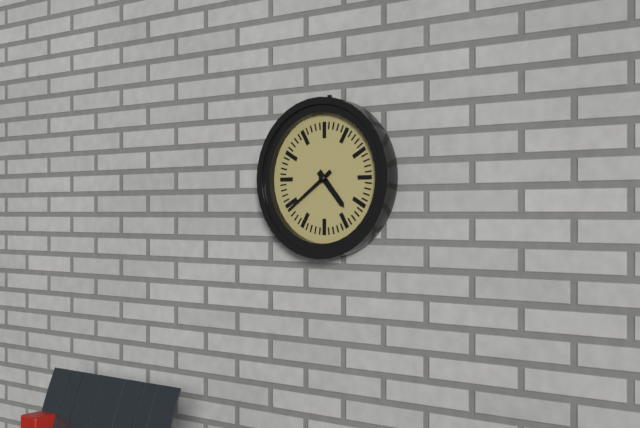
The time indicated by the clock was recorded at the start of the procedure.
4:39
